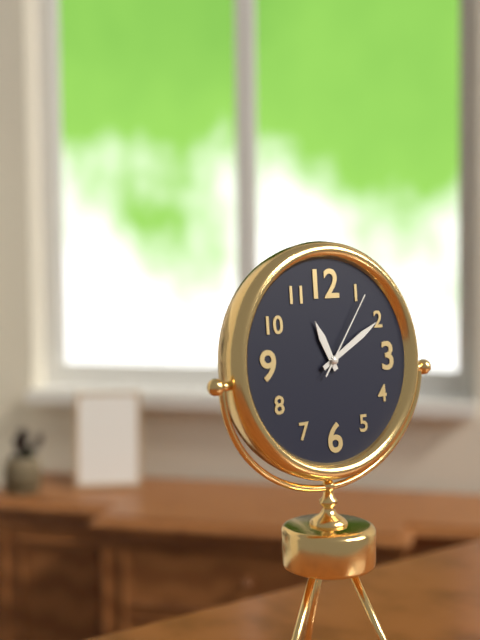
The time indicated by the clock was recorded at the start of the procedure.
11:10:06
